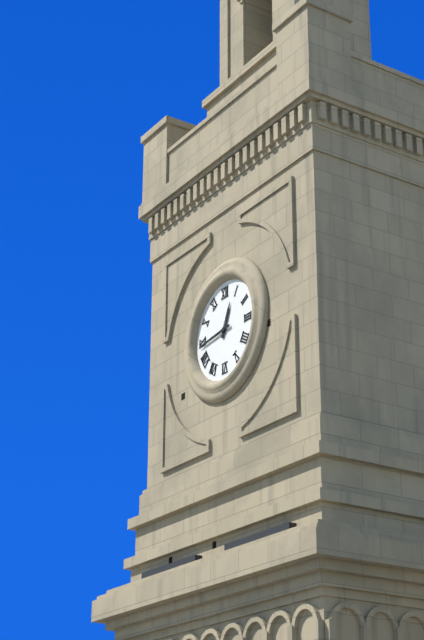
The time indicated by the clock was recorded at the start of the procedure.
12:44
